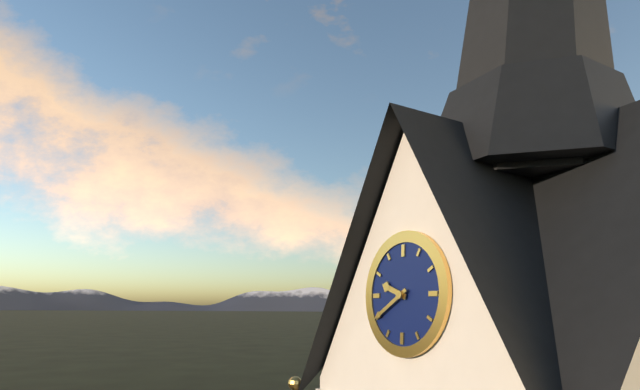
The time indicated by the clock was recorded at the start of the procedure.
9:40
